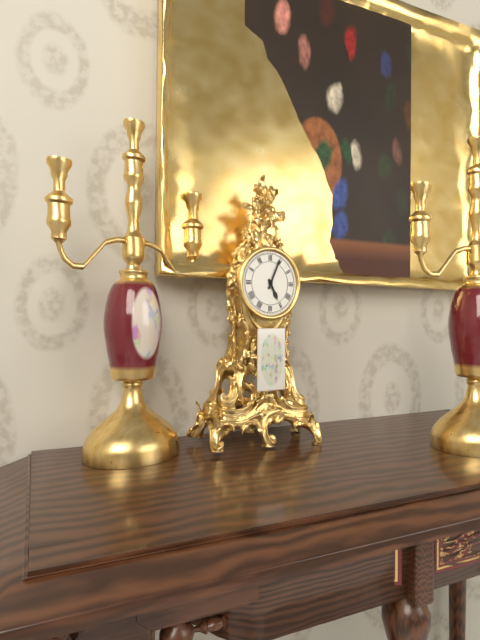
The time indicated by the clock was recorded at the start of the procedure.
5:04
